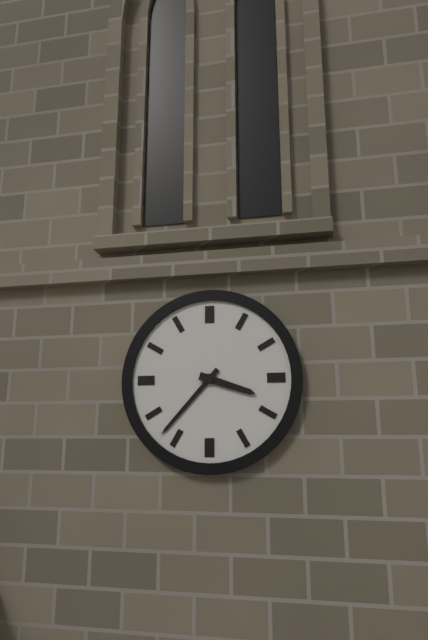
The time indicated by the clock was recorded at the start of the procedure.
3:37
